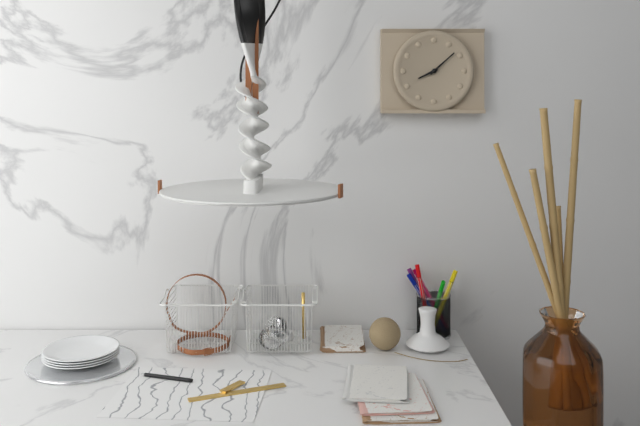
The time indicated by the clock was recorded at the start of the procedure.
8:08
